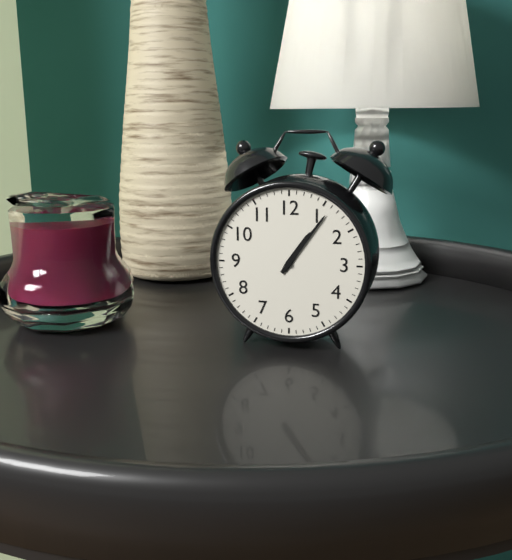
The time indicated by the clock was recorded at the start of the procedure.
1:06
